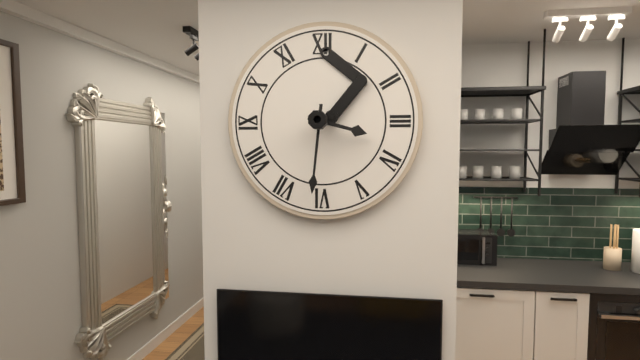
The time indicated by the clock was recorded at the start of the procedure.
3:31
